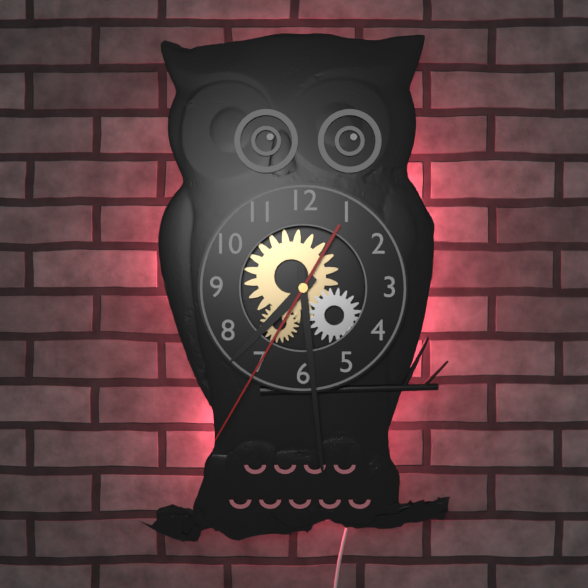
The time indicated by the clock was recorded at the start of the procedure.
7:29:35
